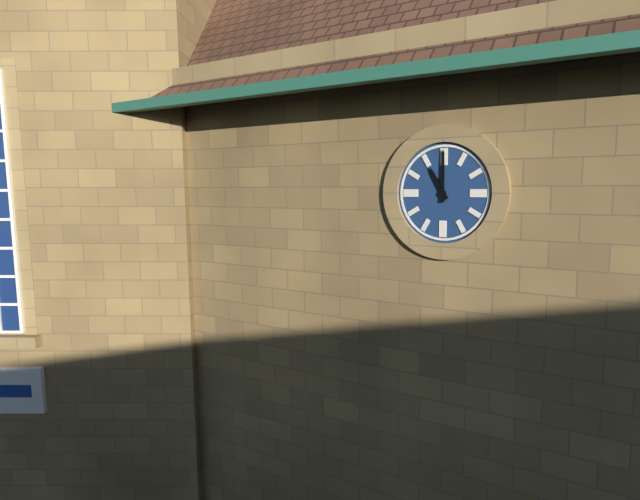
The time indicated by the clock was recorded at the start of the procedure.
11:00
